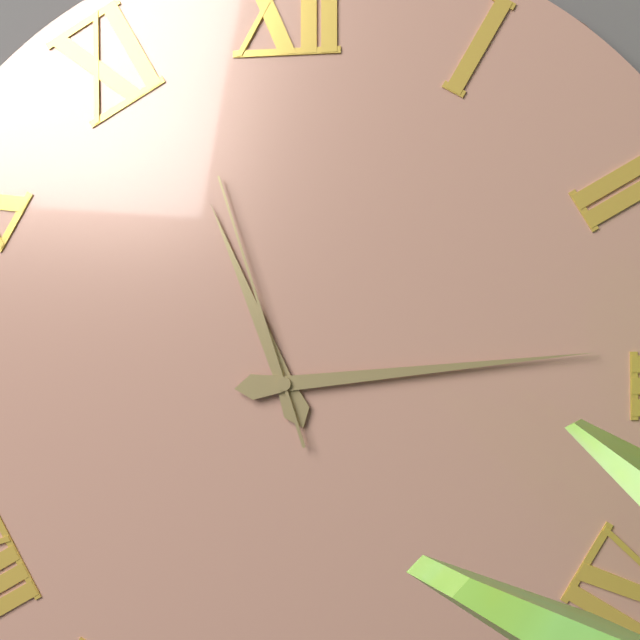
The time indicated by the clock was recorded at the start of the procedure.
11:14:57
